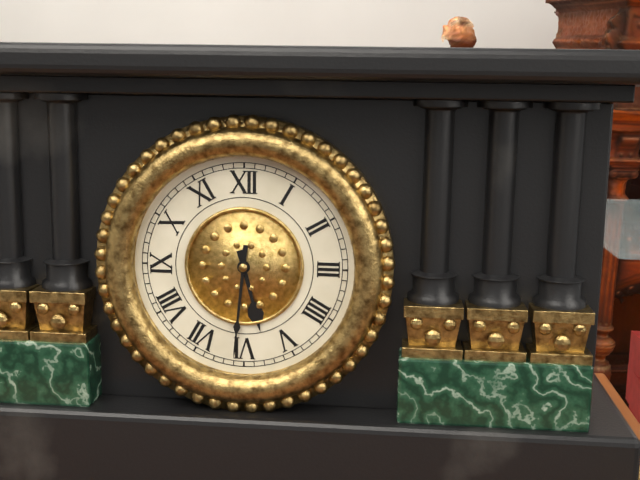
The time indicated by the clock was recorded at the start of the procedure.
5:31
